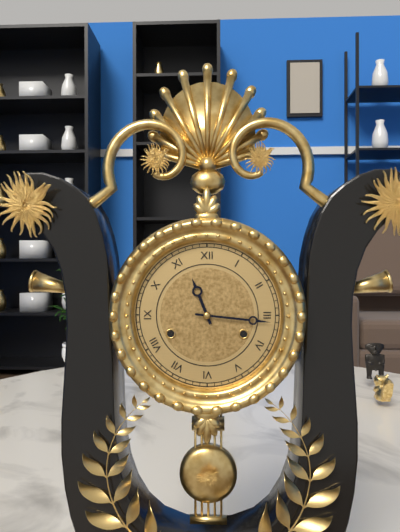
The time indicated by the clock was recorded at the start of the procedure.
11:16
